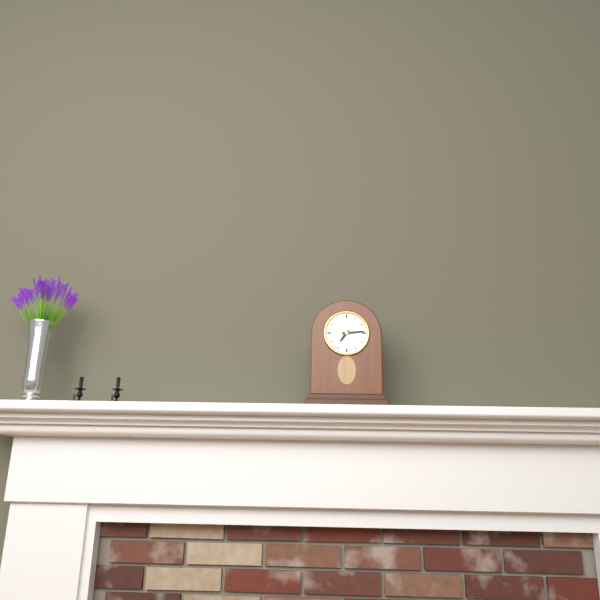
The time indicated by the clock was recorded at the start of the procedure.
7:14
